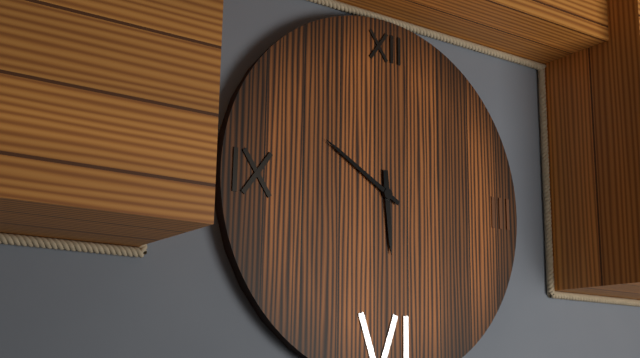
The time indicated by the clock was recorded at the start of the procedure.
5:50
